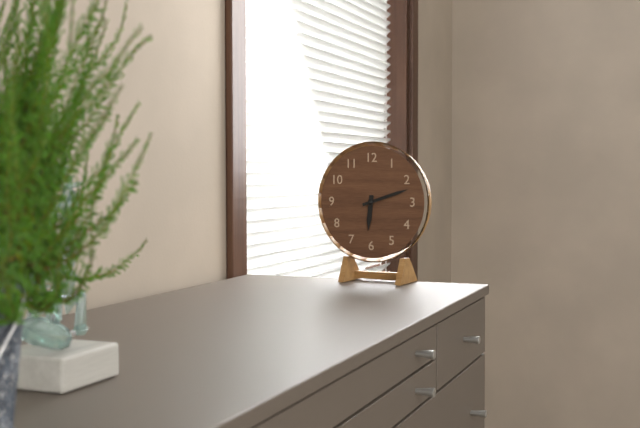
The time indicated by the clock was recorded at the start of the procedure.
6:12
